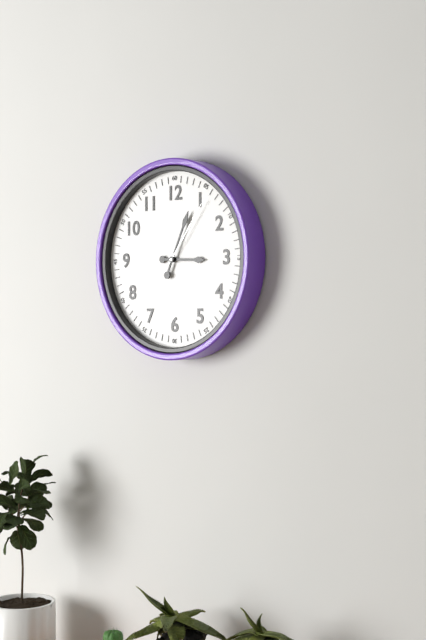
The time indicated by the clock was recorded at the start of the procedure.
3:04:06
